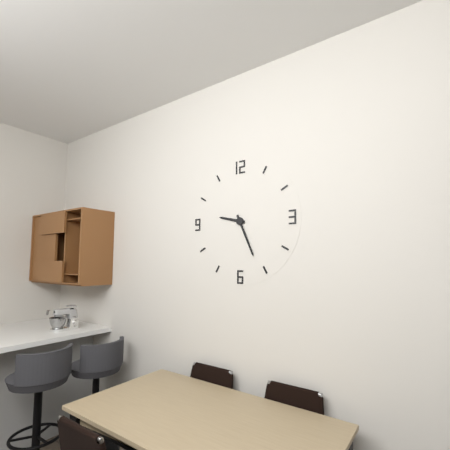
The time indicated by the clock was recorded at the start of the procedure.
9:26
